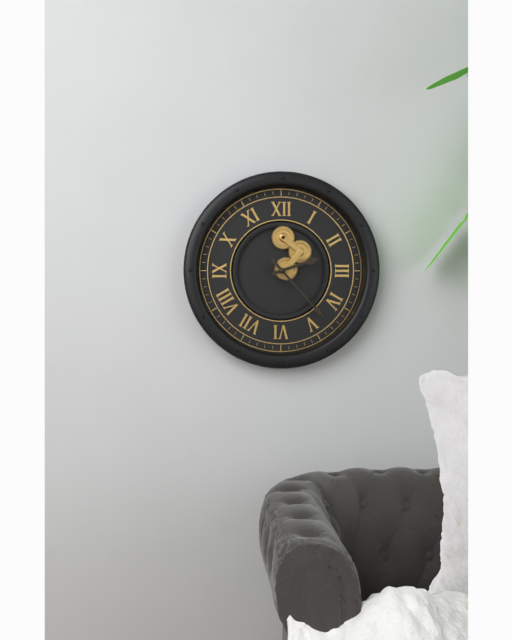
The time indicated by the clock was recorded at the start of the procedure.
2:23
